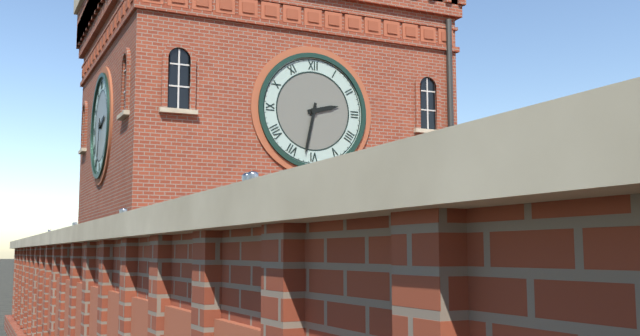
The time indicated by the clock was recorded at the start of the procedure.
2:32
